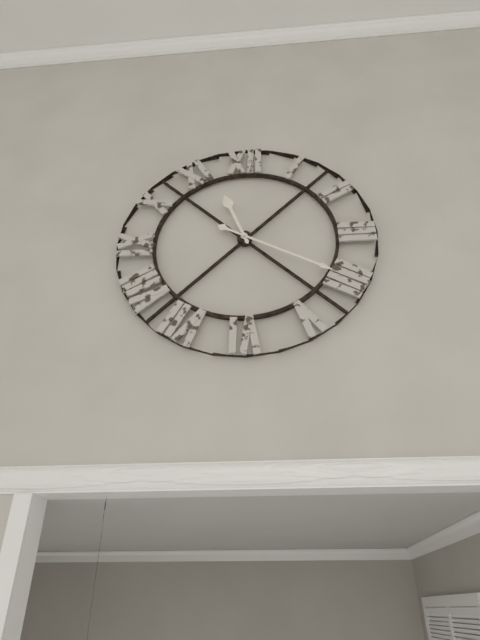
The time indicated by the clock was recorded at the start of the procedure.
11:20
